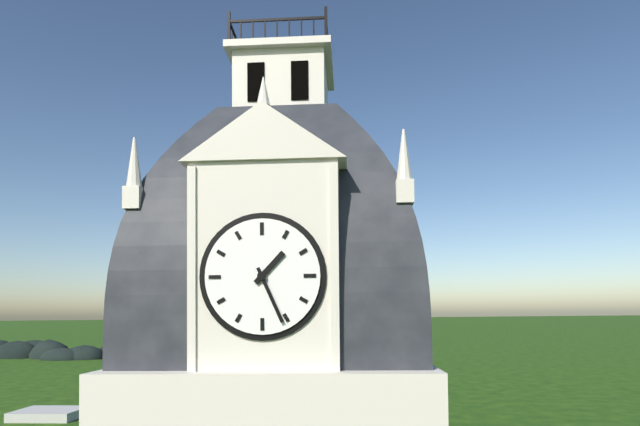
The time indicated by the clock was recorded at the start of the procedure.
1:26
